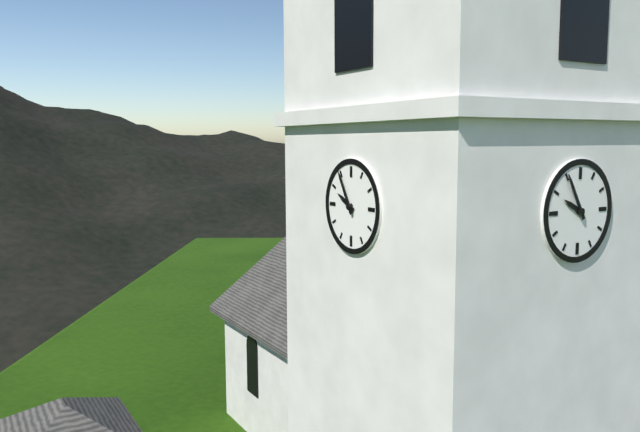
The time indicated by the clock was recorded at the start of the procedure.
9:55
